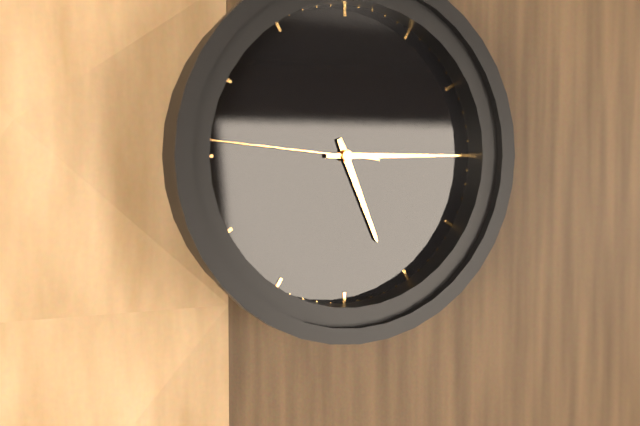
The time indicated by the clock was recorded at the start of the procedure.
5:15:46
